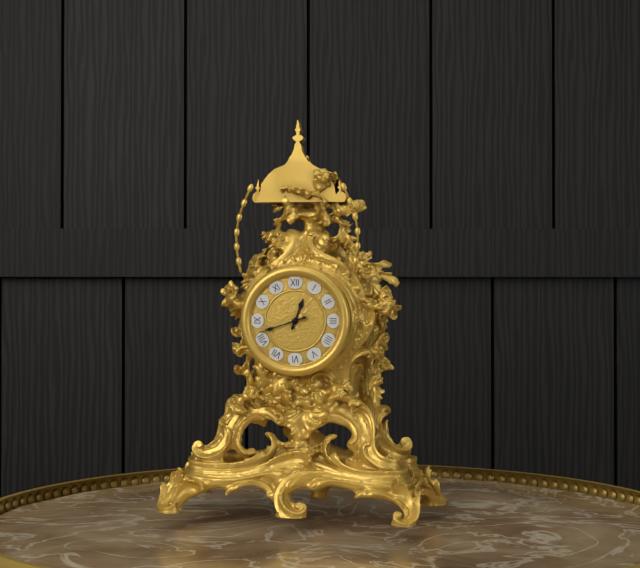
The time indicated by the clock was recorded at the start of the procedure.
12:42
